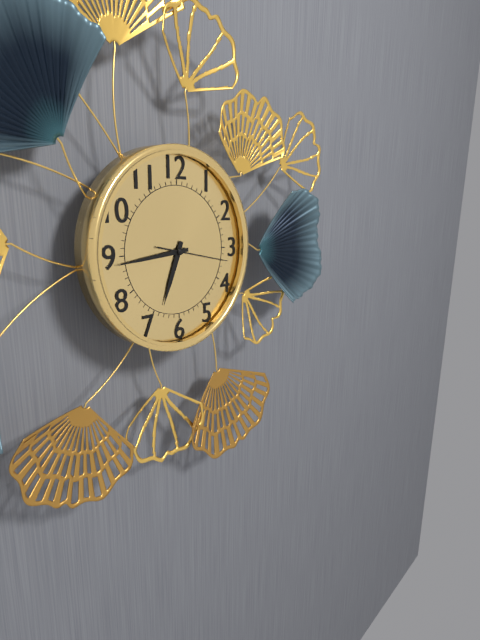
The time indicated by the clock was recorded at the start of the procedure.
6:44:17
